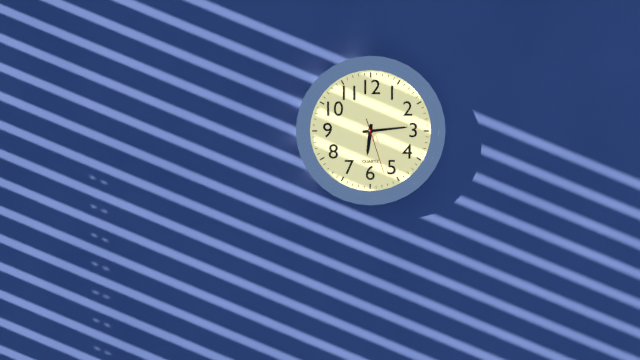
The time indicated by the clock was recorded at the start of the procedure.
6:14:27
